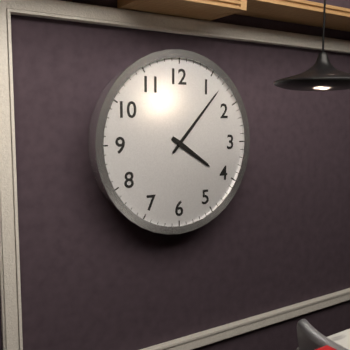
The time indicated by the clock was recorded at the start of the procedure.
4:07
